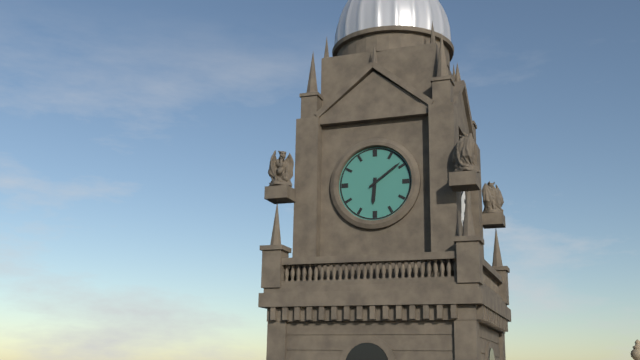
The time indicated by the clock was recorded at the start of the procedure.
6:09
